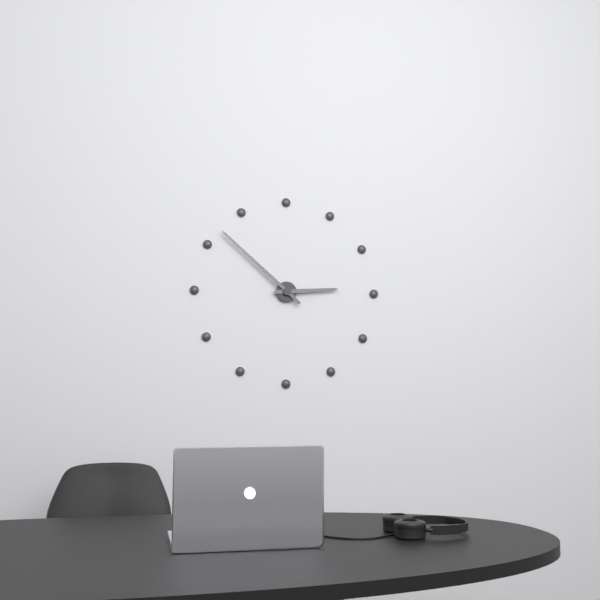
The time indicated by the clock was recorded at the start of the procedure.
2:52
